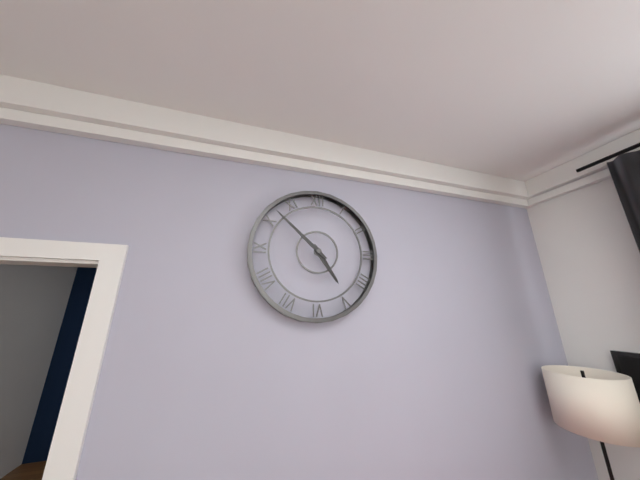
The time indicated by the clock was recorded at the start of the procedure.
4:52
